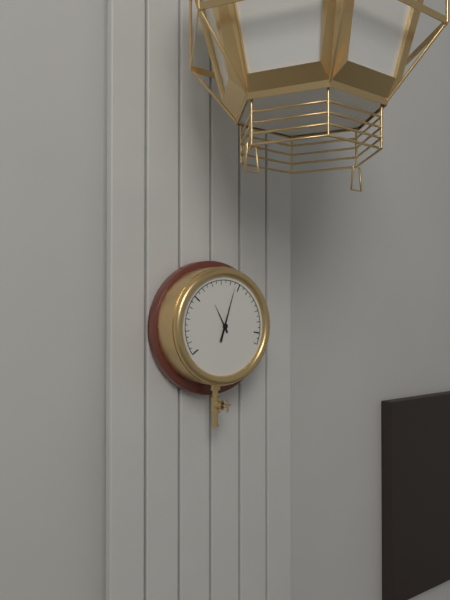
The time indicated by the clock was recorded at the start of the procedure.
11:03
